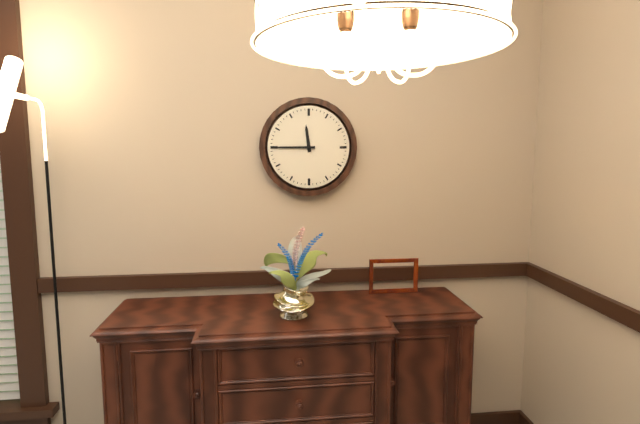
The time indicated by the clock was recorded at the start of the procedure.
11:45
